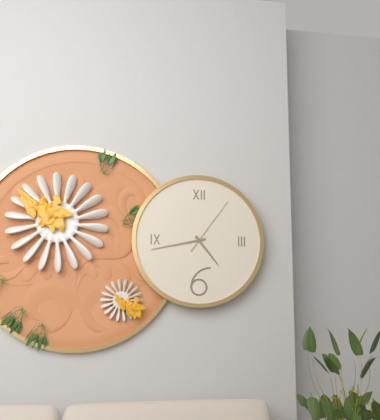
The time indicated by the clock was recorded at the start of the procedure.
4:43:06
